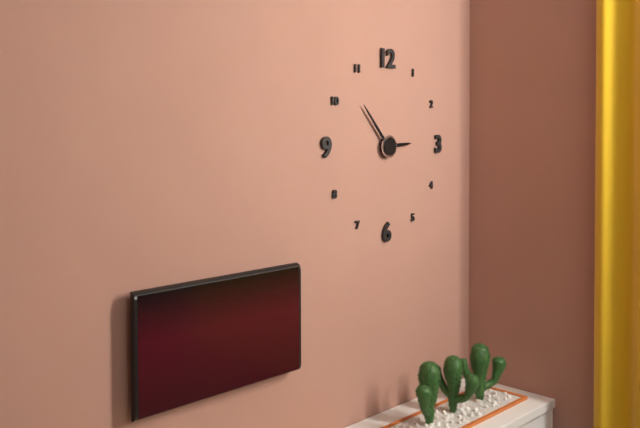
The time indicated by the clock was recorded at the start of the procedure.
2:53
